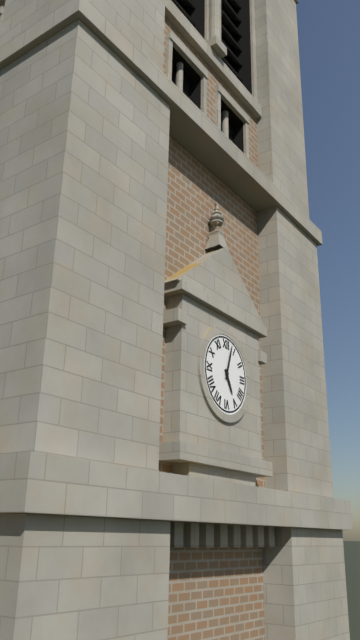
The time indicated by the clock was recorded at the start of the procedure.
5:03
